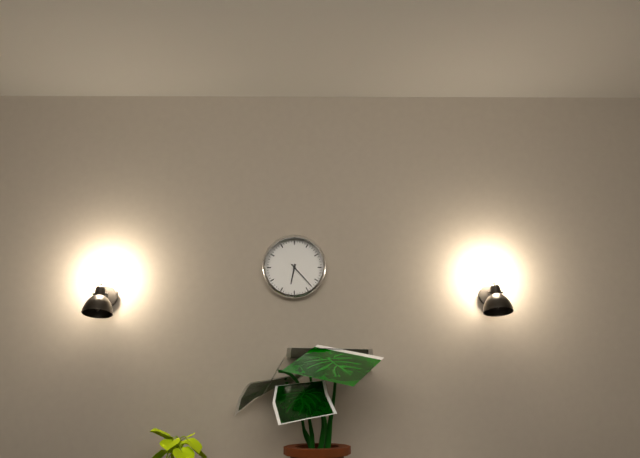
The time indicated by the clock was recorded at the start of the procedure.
6:23
